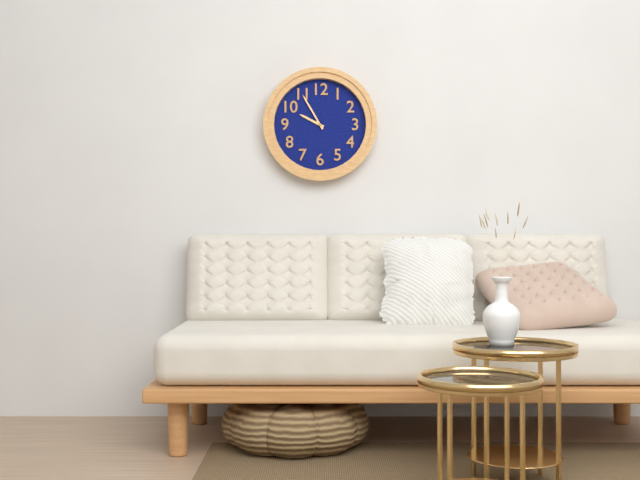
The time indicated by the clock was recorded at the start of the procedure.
9:55
